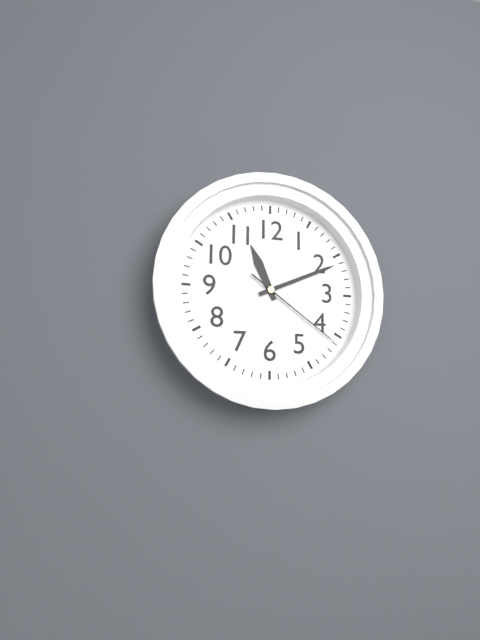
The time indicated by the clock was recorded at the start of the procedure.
11:11:21
